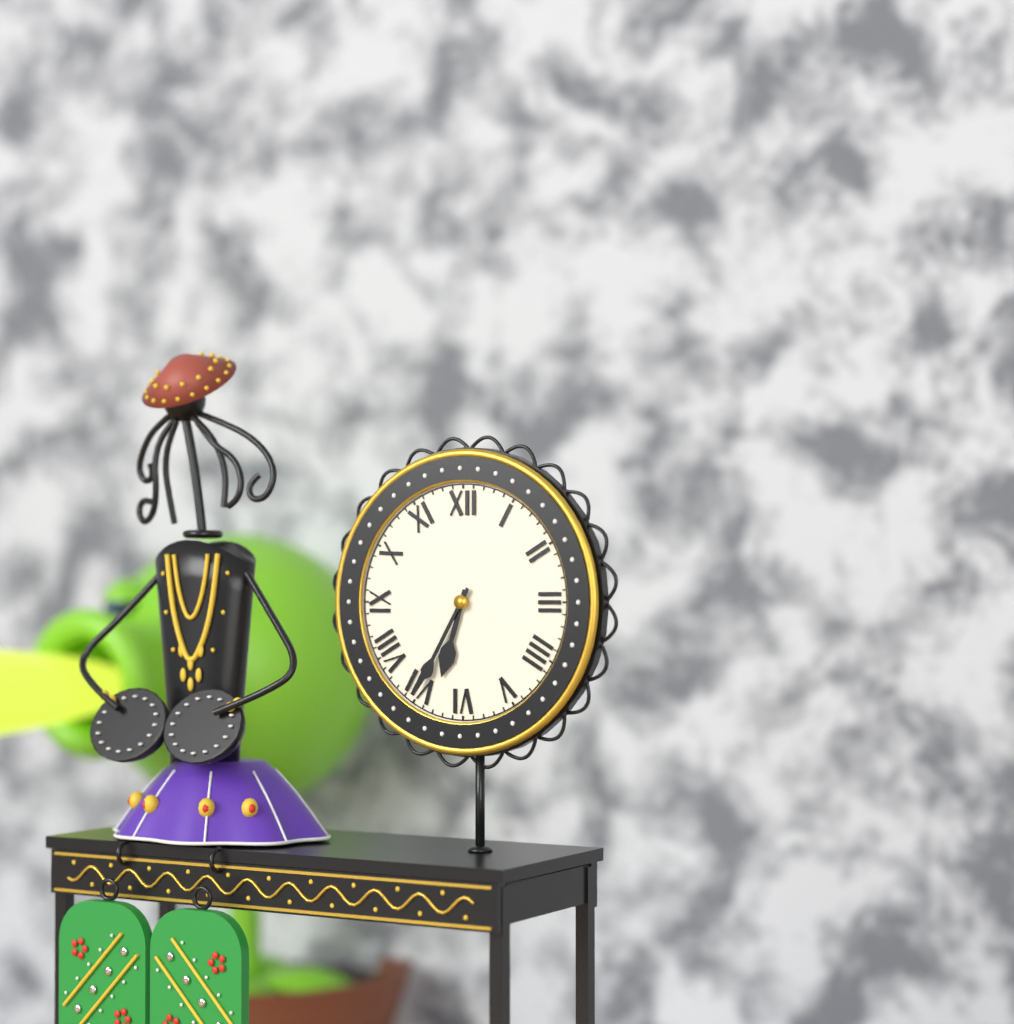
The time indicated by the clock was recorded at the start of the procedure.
6:35
